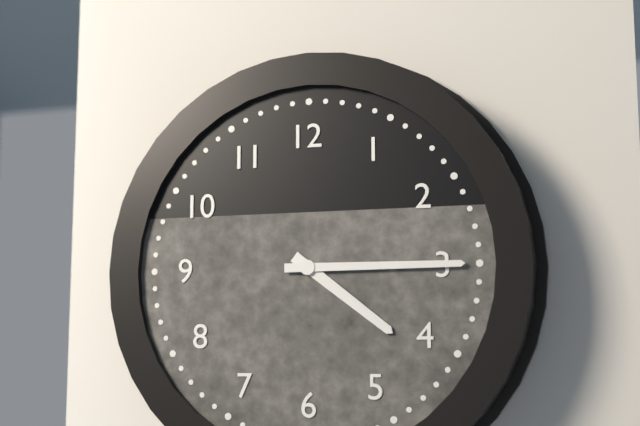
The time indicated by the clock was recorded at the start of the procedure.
4:15
